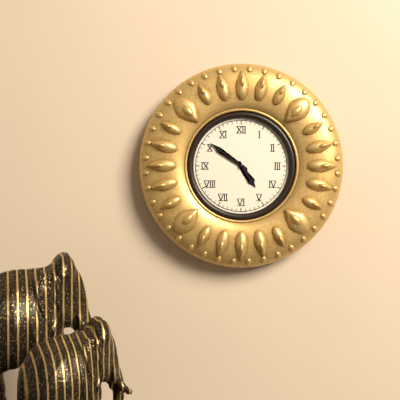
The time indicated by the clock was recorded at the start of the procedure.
4:51
